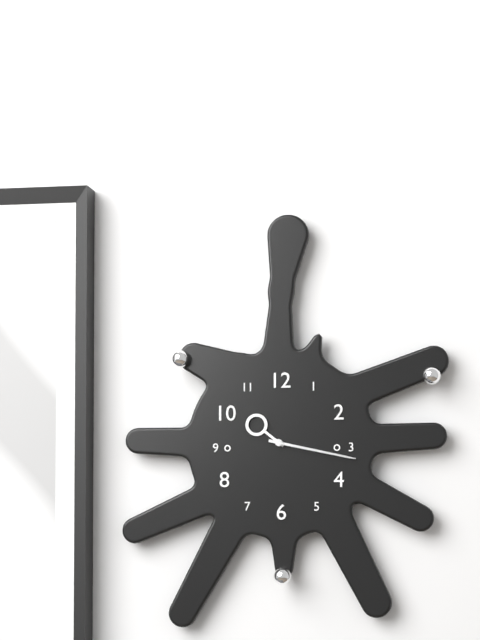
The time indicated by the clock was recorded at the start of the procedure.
10:17
